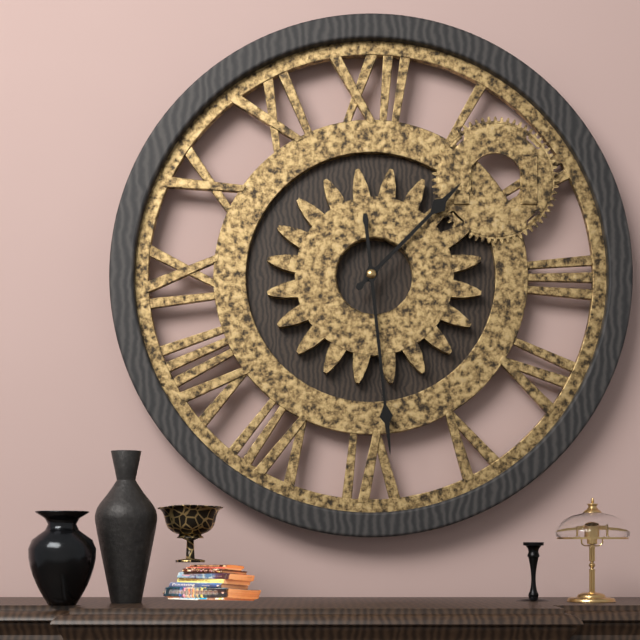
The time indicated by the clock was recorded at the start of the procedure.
1:29
